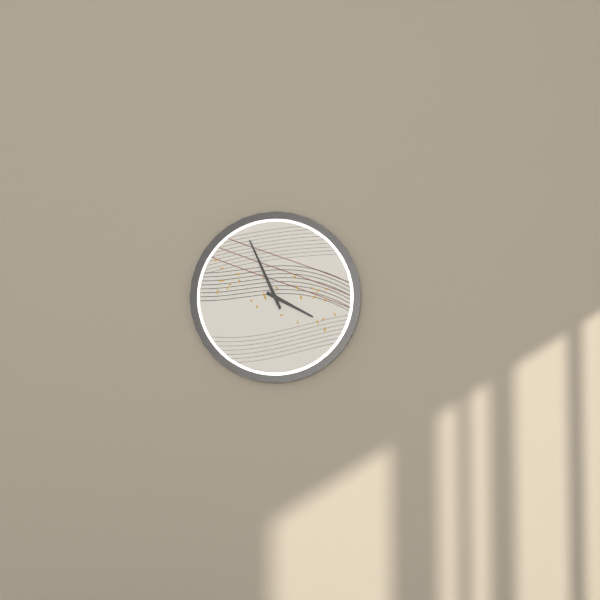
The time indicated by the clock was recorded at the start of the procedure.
3:56
